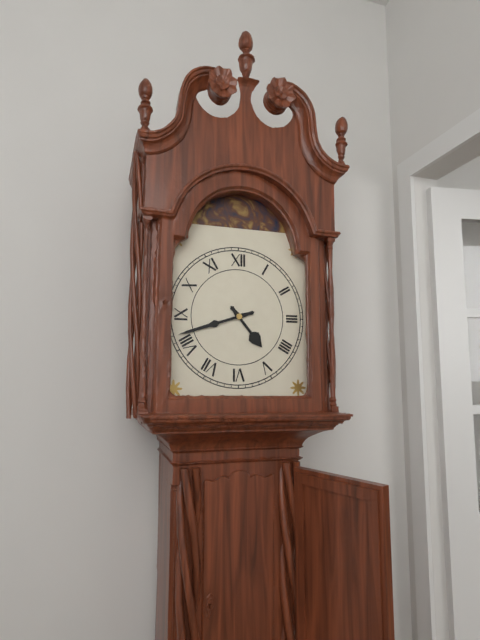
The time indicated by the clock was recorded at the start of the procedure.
4:42
